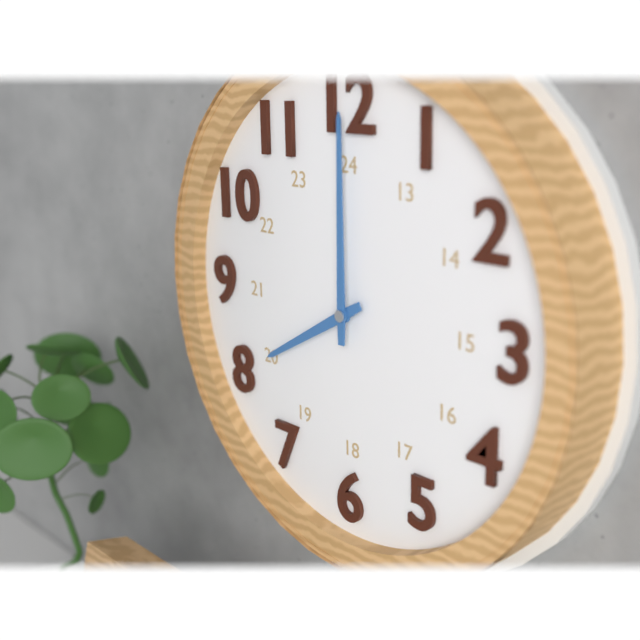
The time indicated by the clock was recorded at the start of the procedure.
8:00
